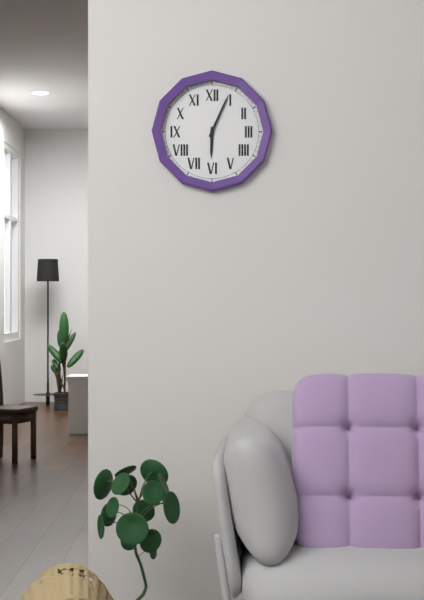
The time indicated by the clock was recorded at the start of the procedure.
6:04
